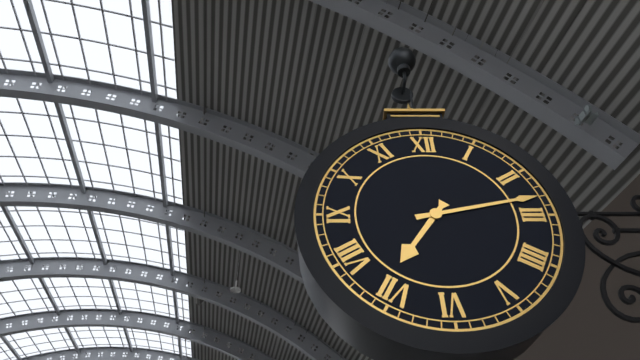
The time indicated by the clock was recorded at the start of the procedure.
7:13
